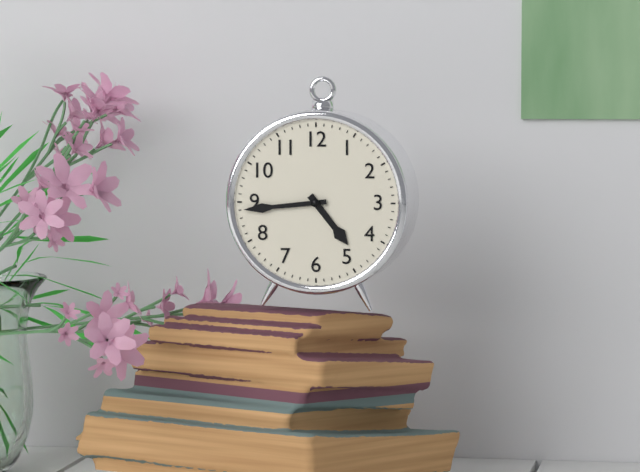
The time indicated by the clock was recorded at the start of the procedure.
4:44
